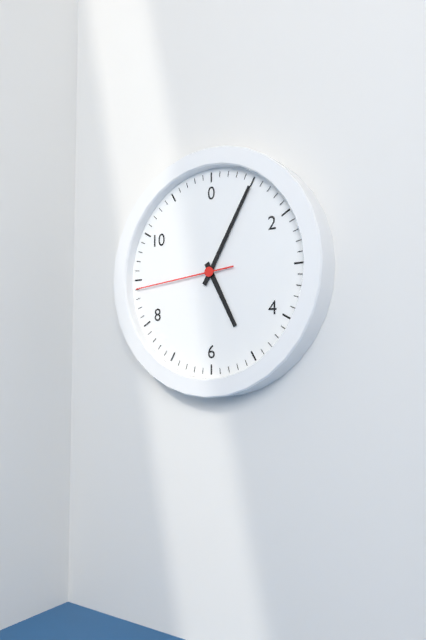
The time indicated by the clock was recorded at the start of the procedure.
5:05:44
